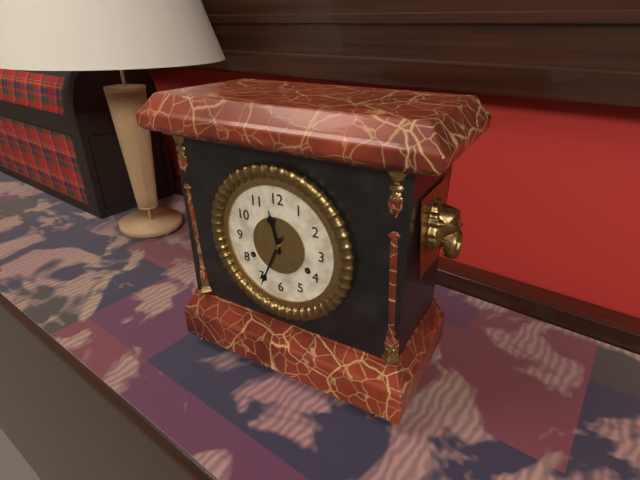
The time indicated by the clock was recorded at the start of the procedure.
11:34
